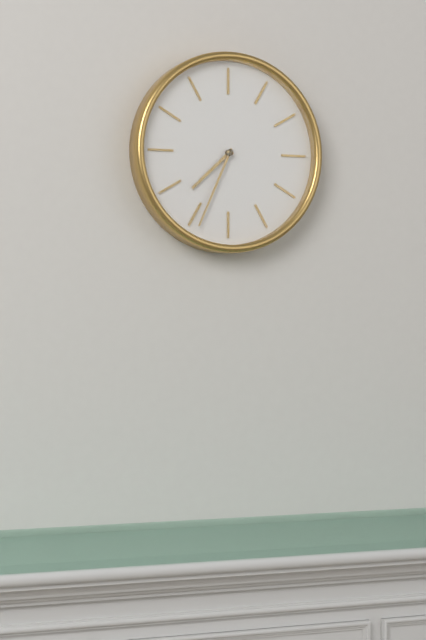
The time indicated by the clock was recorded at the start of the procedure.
7:34
